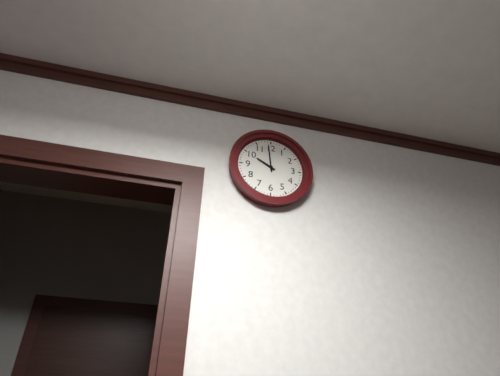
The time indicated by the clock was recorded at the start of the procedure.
9:59
